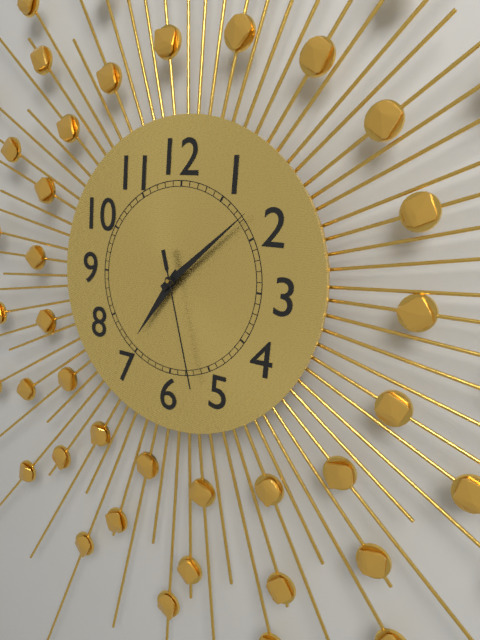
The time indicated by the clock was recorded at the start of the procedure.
7:08:27
